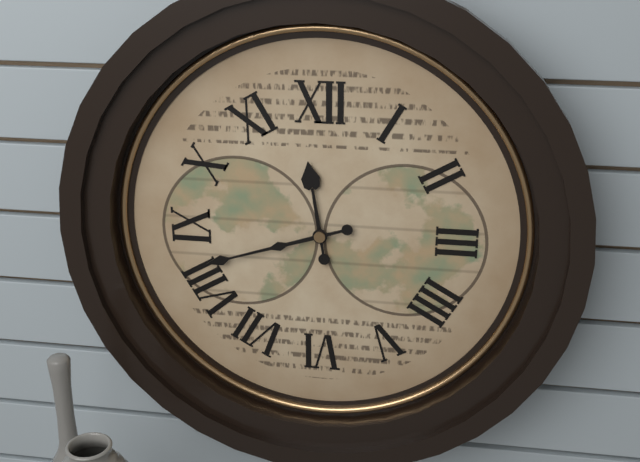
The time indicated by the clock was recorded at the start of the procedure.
11:42
